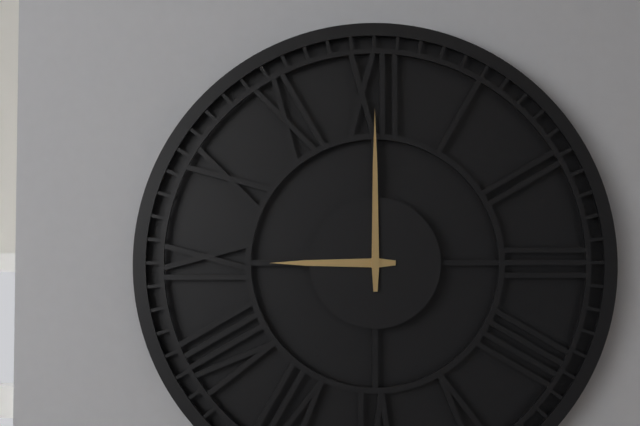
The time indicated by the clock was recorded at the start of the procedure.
9:00
